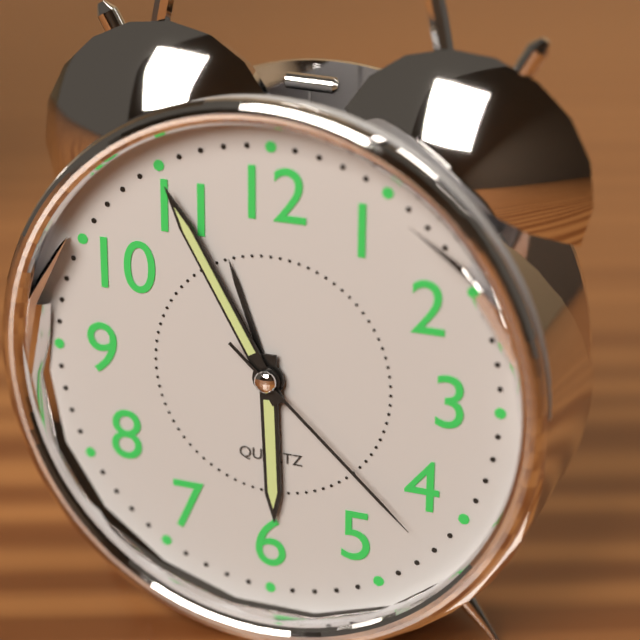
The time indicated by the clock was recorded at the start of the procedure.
5:55:22
